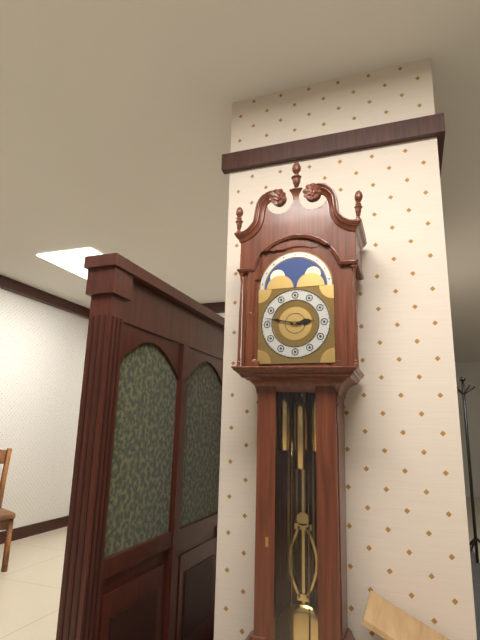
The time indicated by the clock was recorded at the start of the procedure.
2:47
